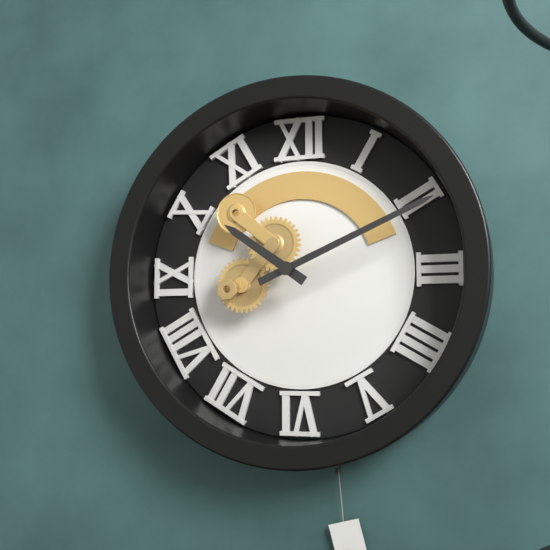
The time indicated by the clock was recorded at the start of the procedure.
10:11
